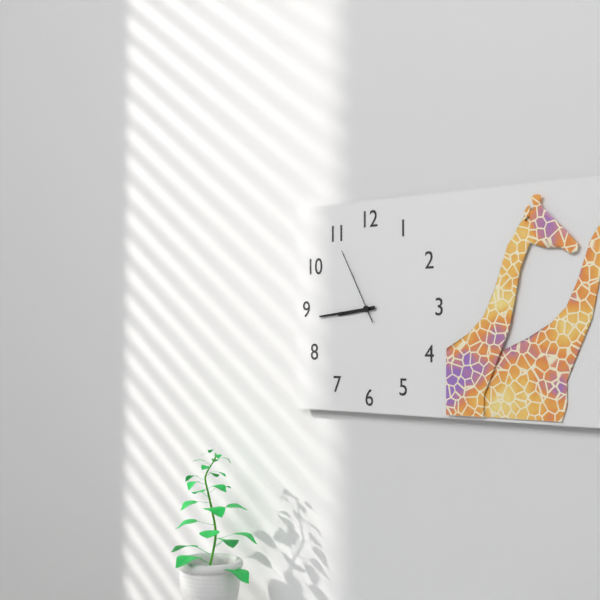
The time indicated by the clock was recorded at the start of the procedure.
8:44:55
